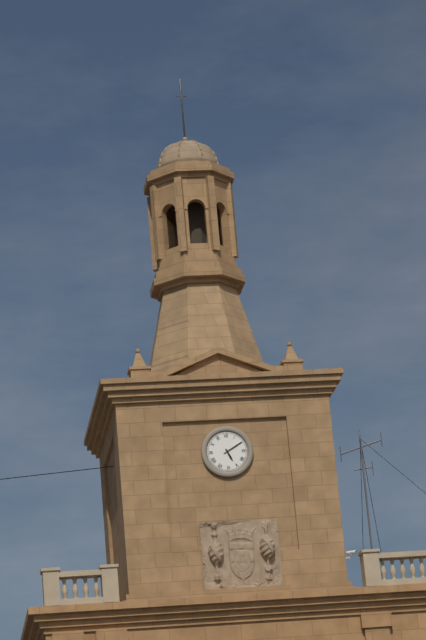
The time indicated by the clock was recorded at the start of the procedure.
5:10
